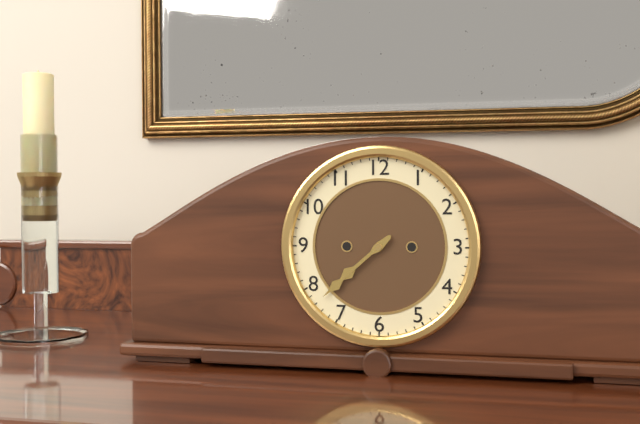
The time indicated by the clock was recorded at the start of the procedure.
7:38
